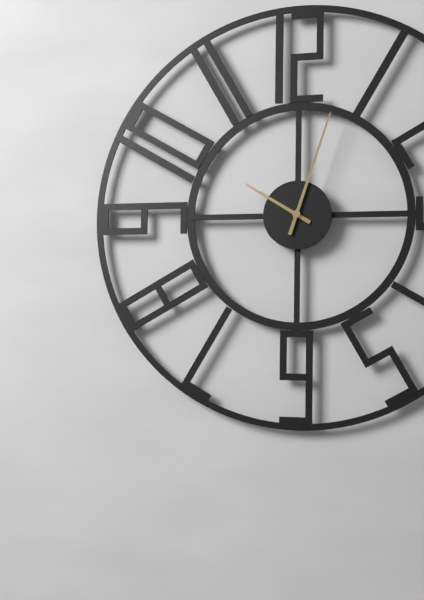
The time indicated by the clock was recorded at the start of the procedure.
10:03
